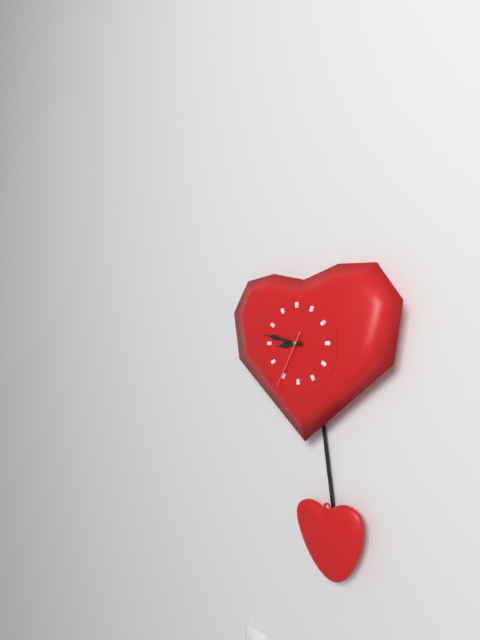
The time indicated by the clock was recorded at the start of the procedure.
8:47:35
